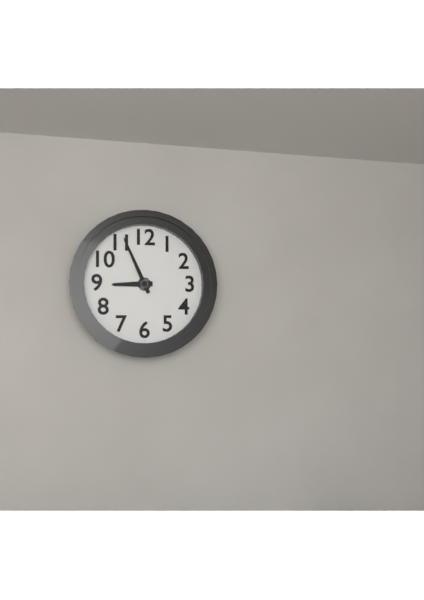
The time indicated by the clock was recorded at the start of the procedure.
8:56
